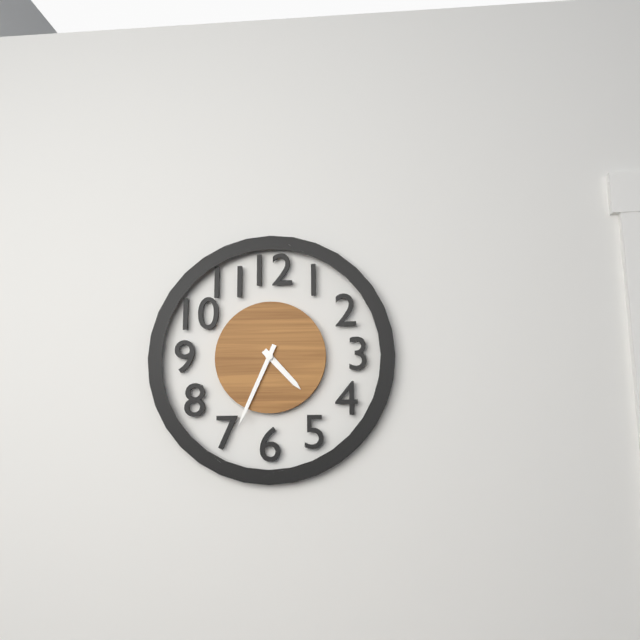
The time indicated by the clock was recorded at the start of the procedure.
4:34
